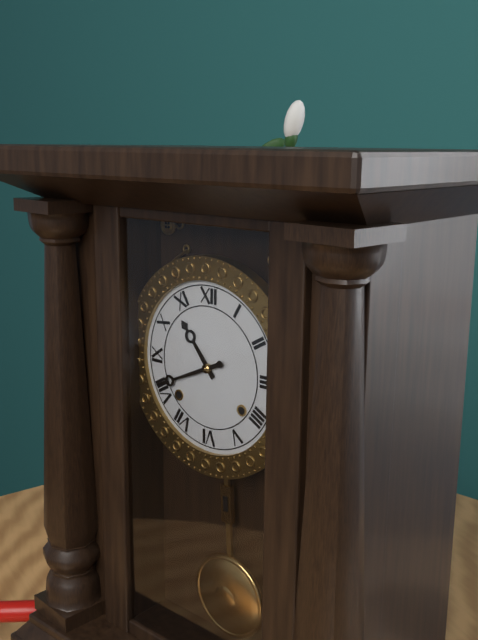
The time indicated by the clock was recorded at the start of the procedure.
10:41
